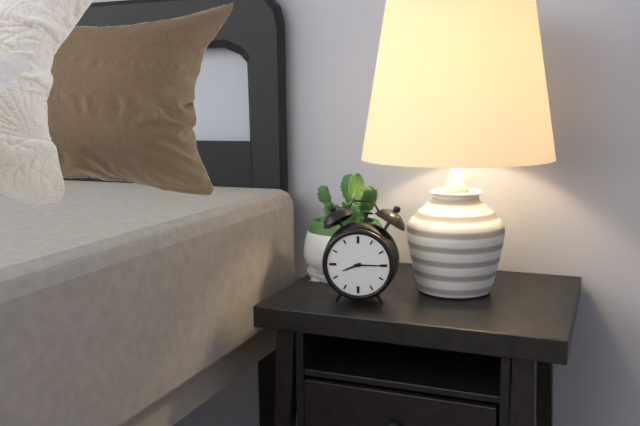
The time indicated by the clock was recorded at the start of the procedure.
8:15
